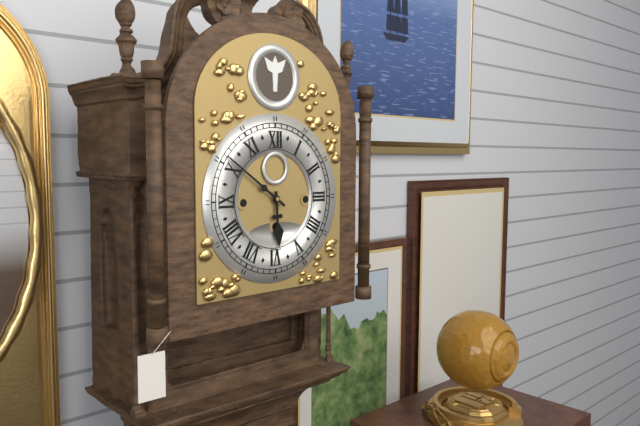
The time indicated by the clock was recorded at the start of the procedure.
5:51
